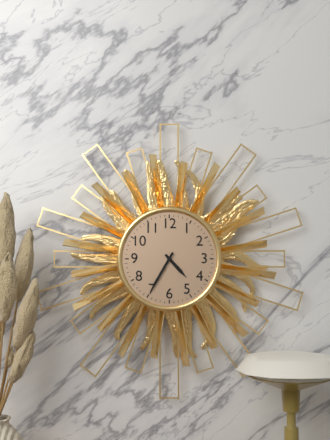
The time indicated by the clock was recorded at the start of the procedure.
4:35
